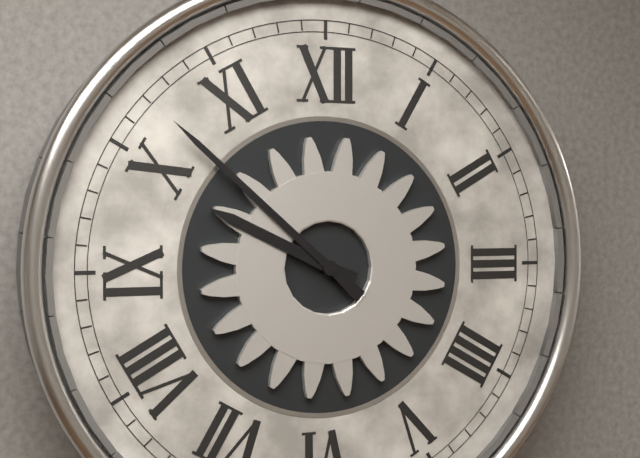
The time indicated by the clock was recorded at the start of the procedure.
9:52
